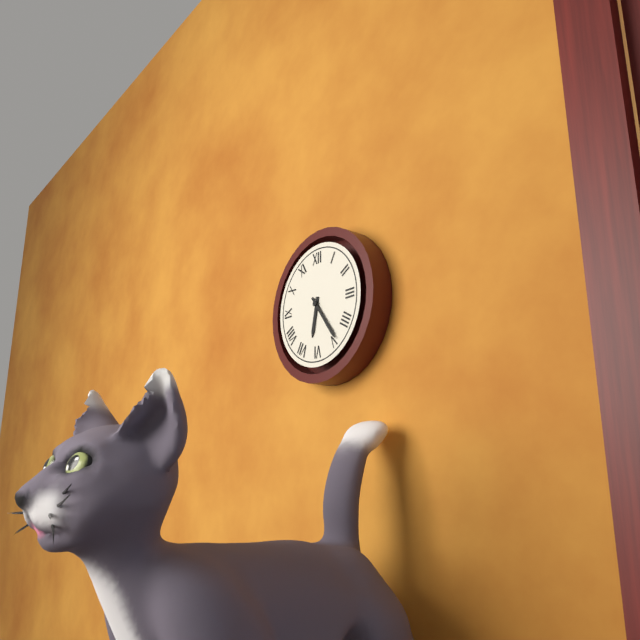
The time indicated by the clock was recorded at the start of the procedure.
6:24
